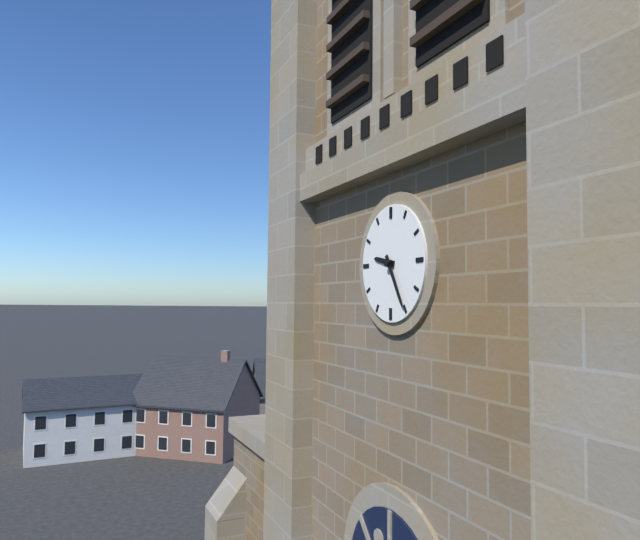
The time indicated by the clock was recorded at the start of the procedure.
9:25
